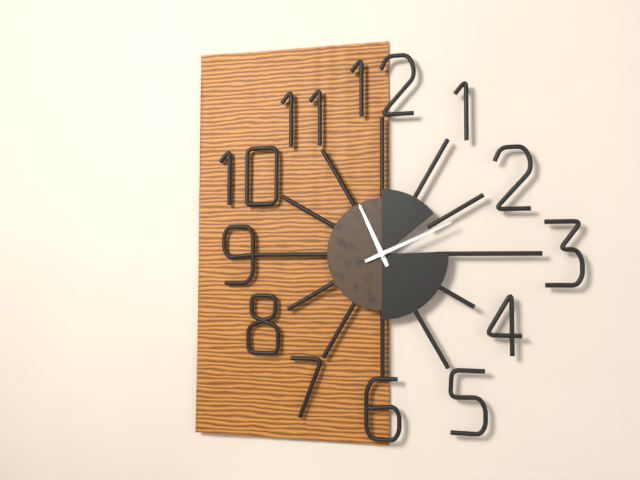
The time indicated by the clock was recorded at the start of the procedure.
11:11
